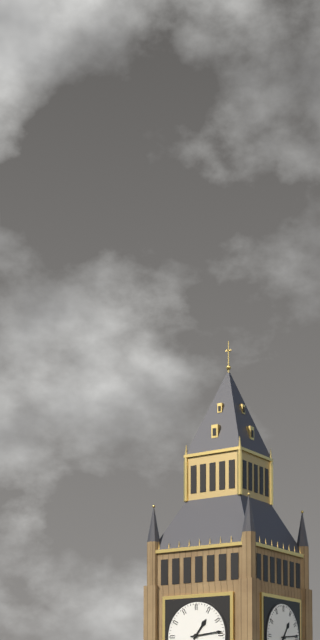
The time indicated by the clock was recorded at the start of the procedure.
1:14
